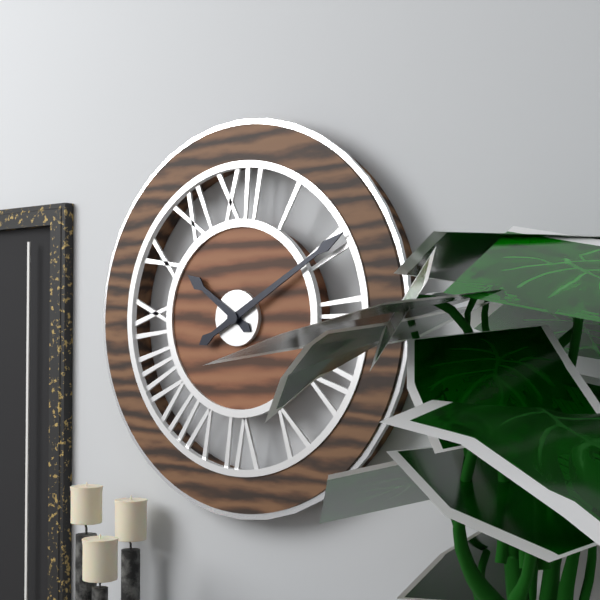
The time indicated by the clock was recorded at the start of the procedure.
10:10
